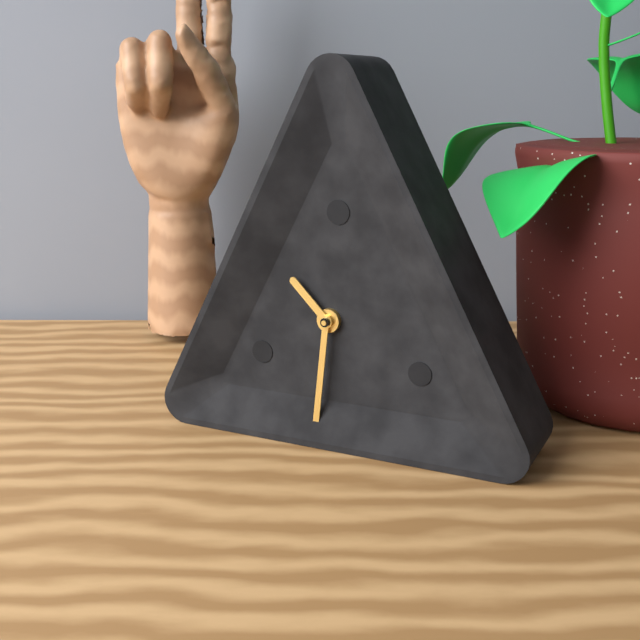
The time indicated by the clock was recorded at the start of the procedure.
10:31
